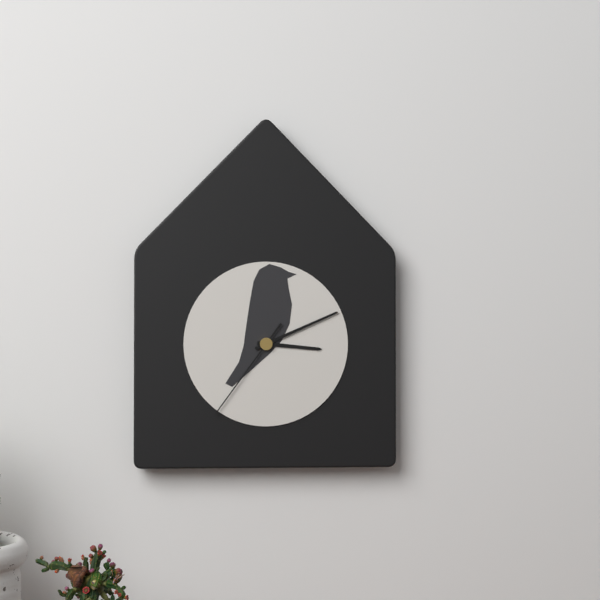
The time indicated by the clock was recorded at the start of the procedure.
3:11:36
